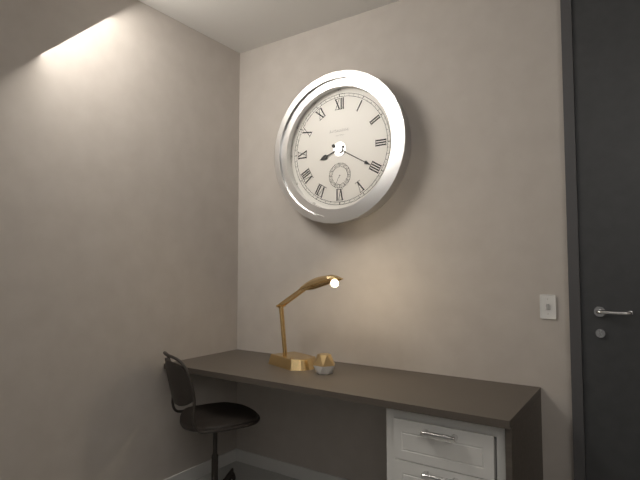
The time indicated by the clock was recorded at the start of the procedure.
8:20
